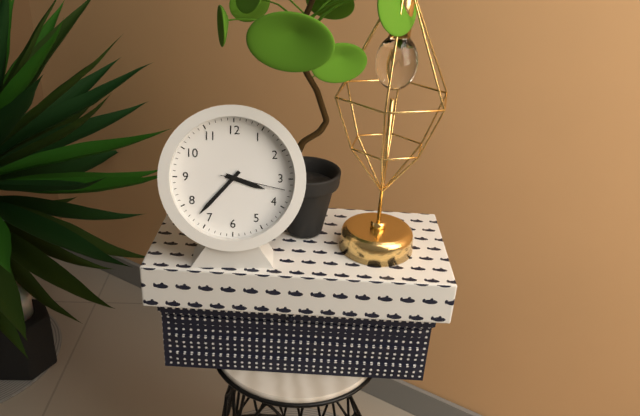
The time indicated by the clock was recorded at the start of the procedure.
3:37:17
